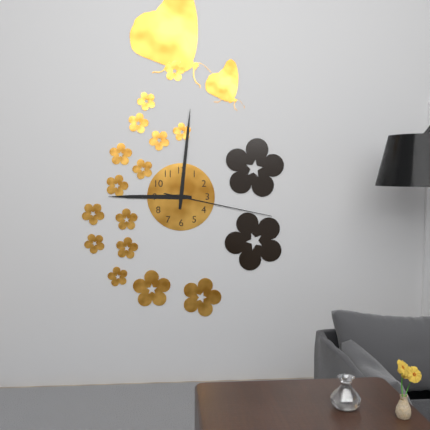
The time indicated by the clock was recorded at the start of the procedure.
9:01:17
